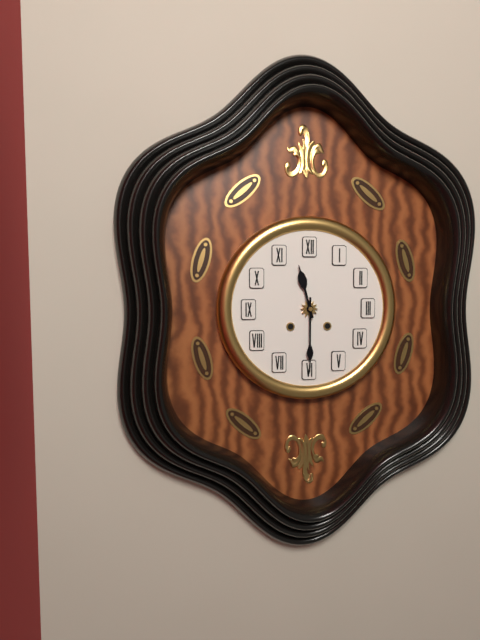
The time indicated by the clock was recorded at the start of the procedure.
11:30
